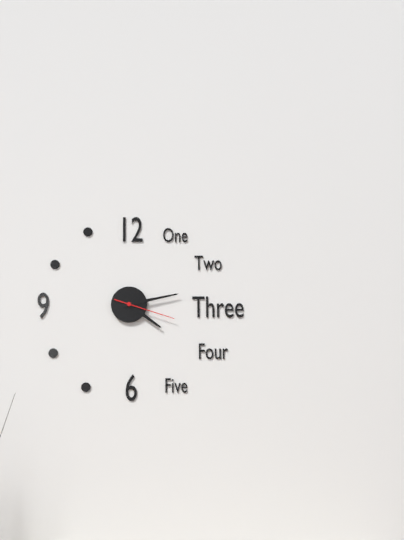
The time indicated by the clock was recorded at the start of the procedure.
4:13:18
